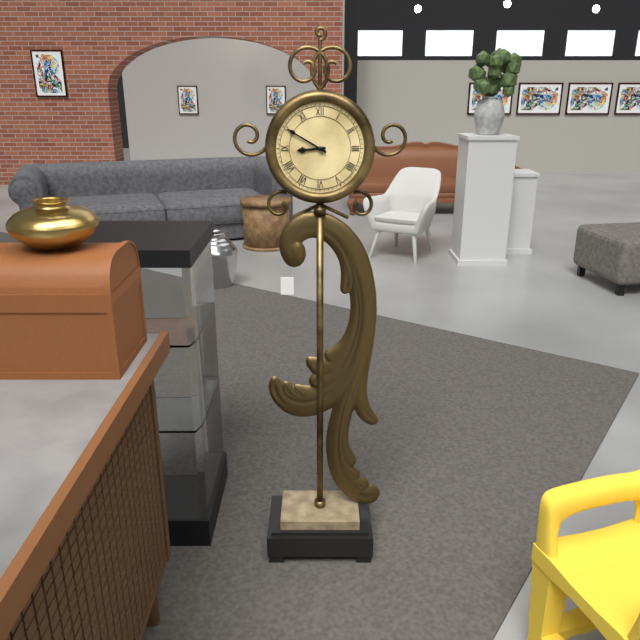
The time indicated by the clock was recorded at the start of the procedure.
8:50
